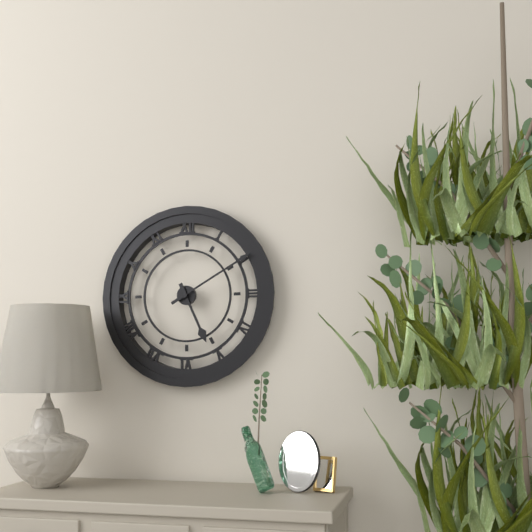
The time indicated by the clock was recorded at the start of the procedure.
5:10
